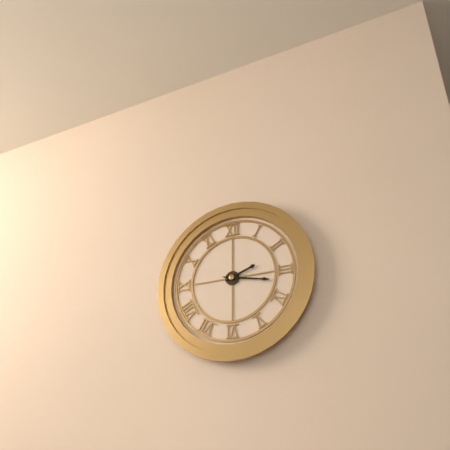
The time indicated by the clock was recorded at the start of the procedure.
2:17
